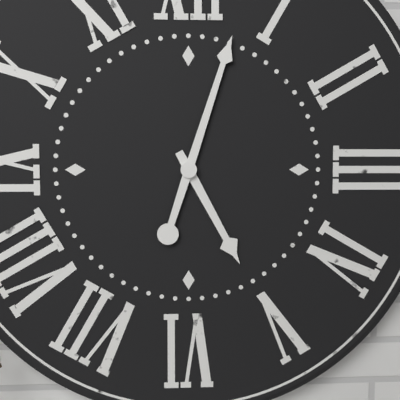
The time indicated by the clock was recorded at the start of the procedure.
5:03
